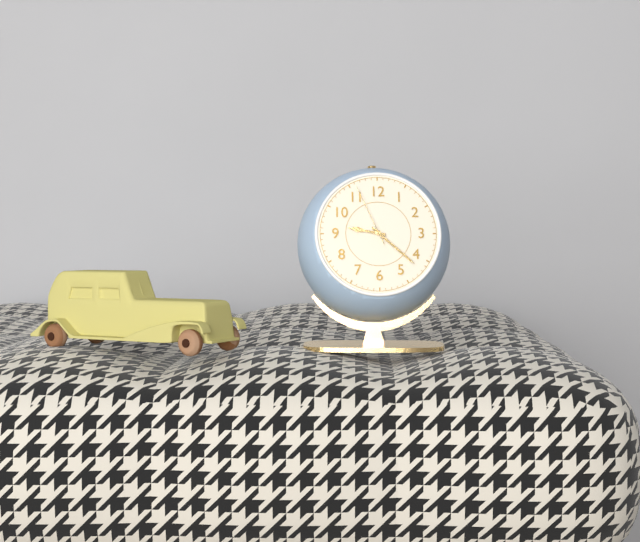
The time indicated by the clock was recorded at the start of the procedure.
9:22:56
